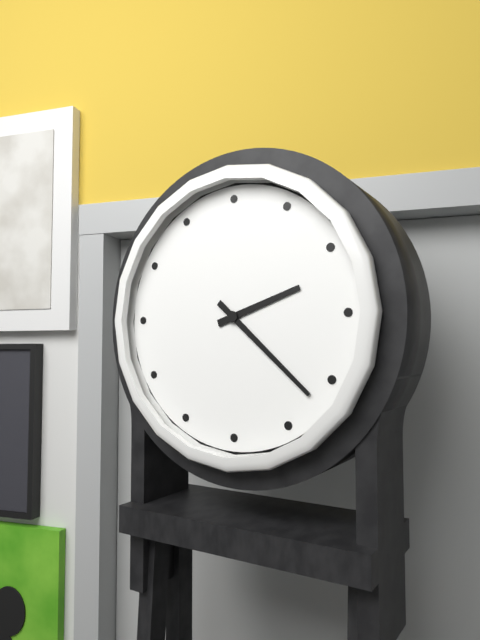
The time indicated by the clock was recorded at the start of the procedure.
2:22
